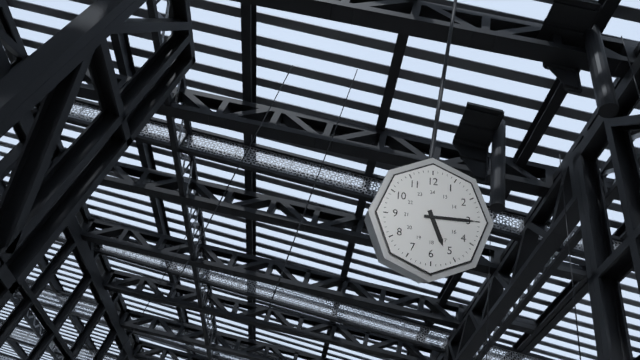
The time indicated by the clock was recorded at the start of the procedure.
5:15
